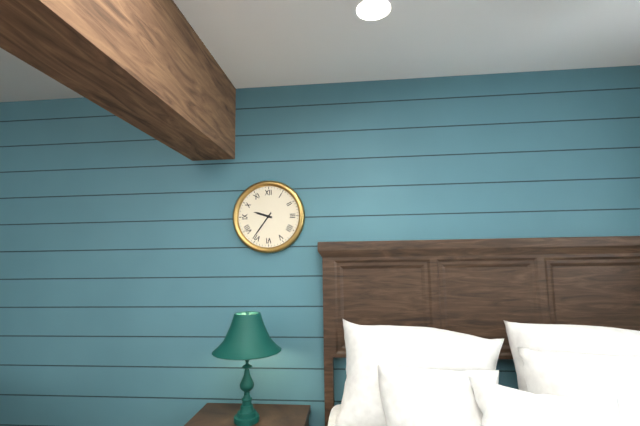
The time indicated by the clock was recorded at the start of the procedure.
9:36
